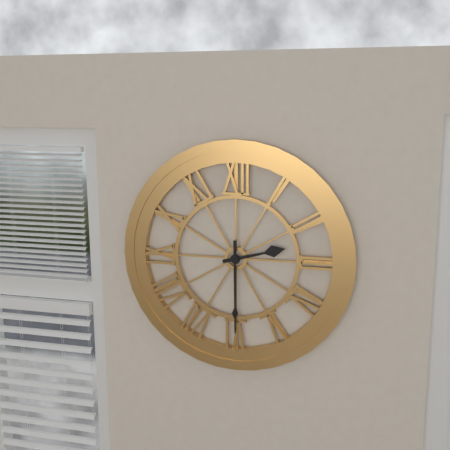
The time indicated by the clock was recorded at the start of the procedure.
2:30
